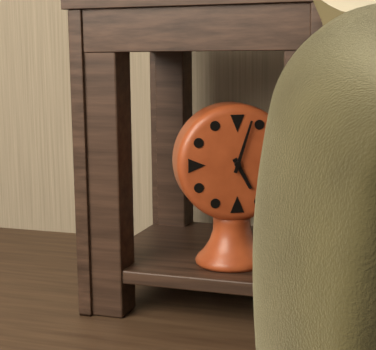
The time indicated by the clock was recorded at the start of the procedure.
5:03
